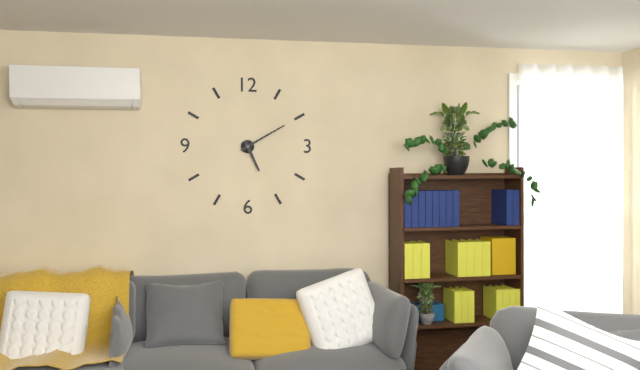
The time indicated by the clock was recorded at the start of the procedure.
5:10
